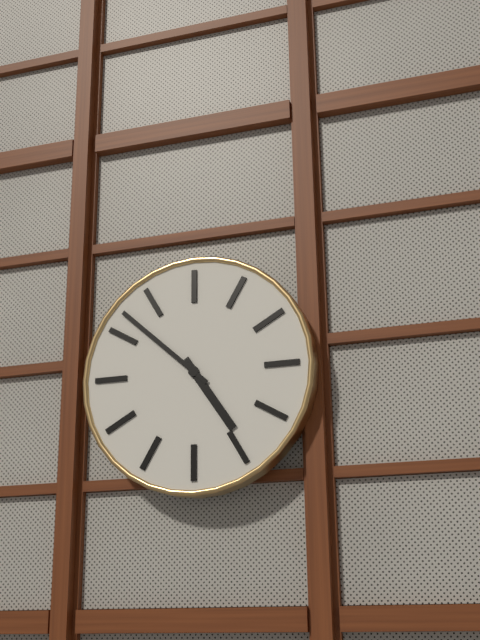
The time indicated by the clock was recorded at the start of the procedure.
4:52
